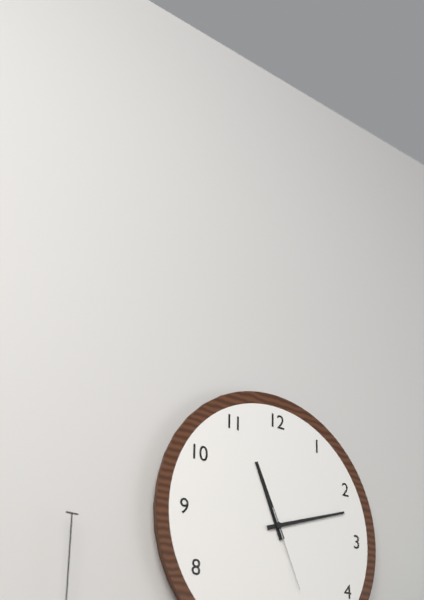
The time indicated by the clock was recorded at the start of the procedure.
11:12:26
